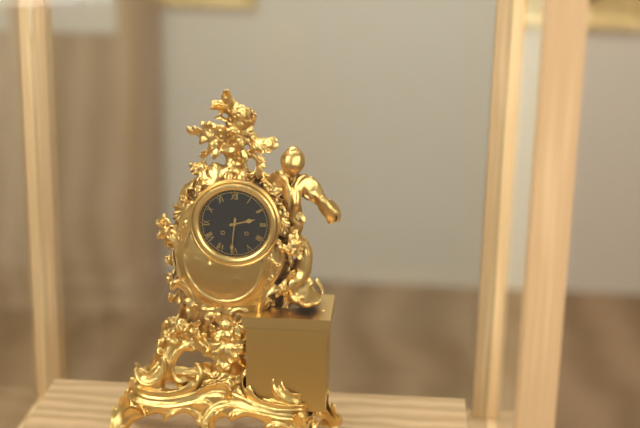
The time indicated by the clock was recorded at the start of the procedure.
2:31
